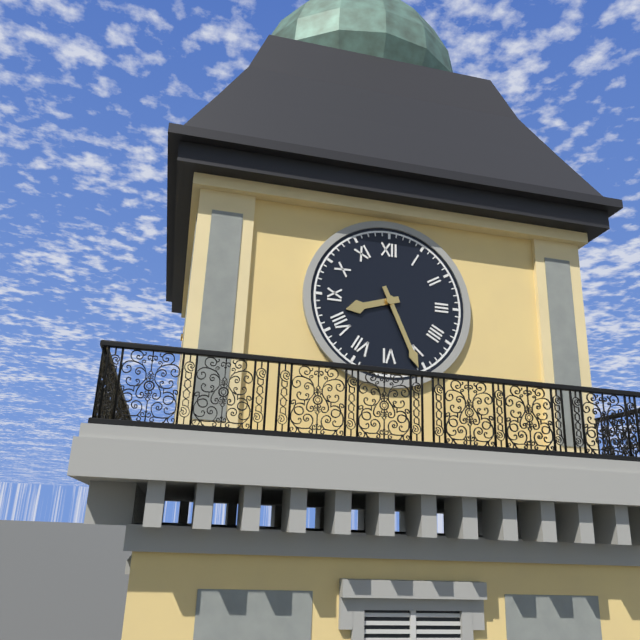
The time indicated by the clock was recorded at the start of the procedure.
8:26
